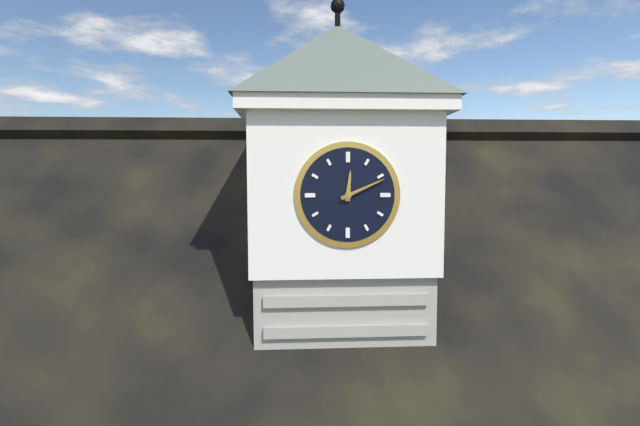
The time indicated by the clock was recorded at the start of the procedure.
12:11
